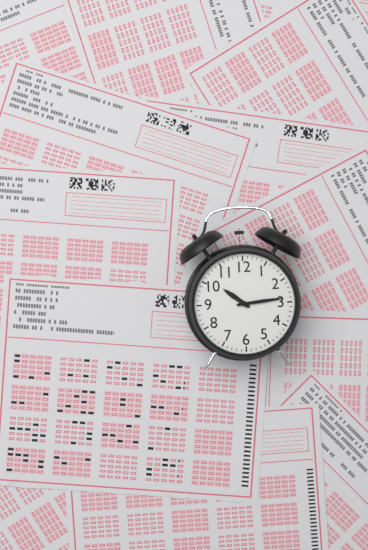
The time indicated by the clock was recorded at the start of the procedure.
10:14
